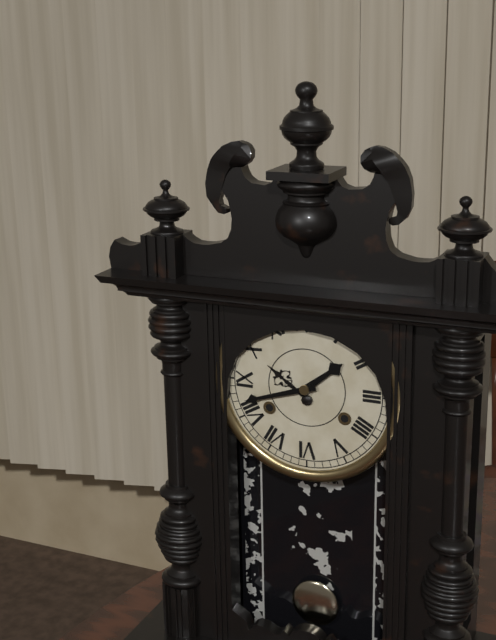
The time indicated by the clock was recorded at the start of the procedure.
1:42
